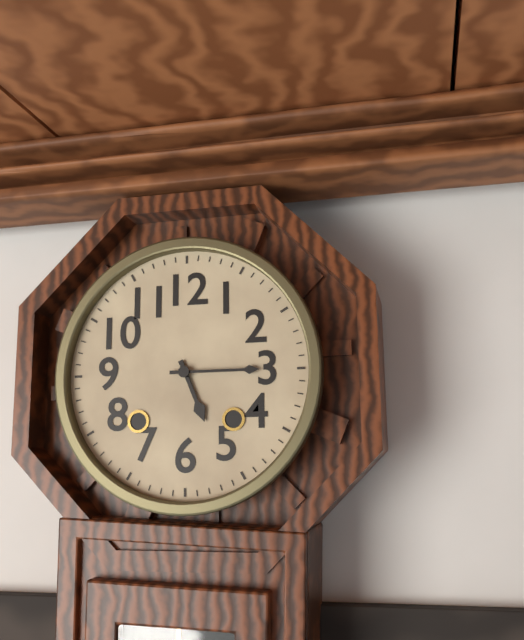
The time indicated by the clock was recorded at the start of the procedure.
5:15
